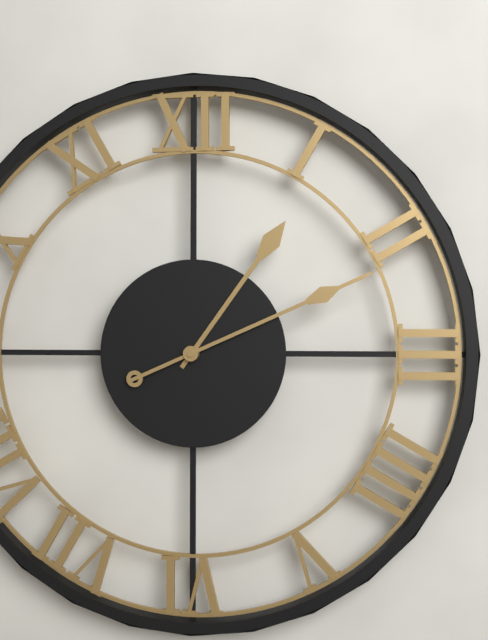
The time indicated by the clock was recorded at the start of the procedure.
1:11
